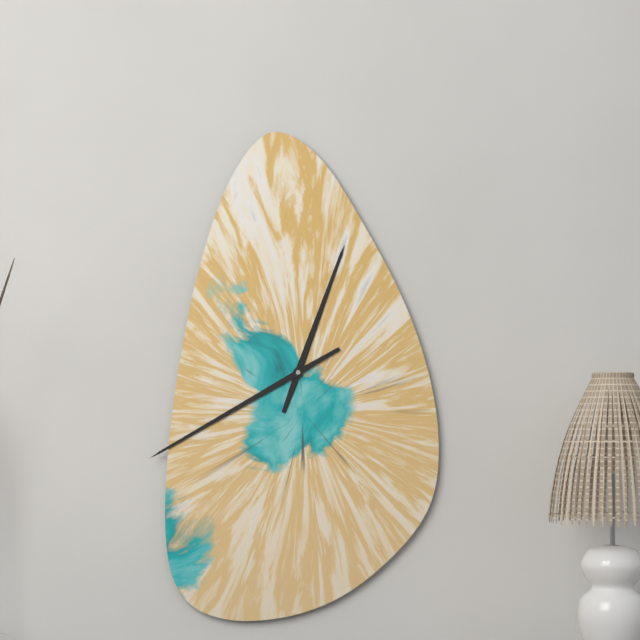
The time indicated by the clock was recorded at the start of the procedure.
12:40
